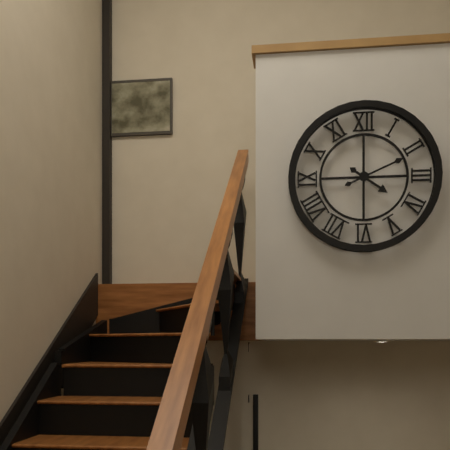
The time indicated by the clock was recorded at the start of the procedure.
4:11
